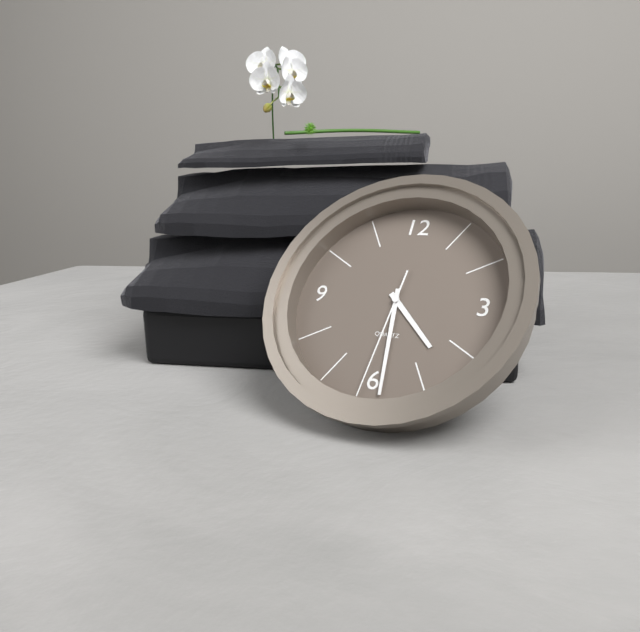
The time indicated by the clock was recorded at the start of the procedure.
4:29:31
